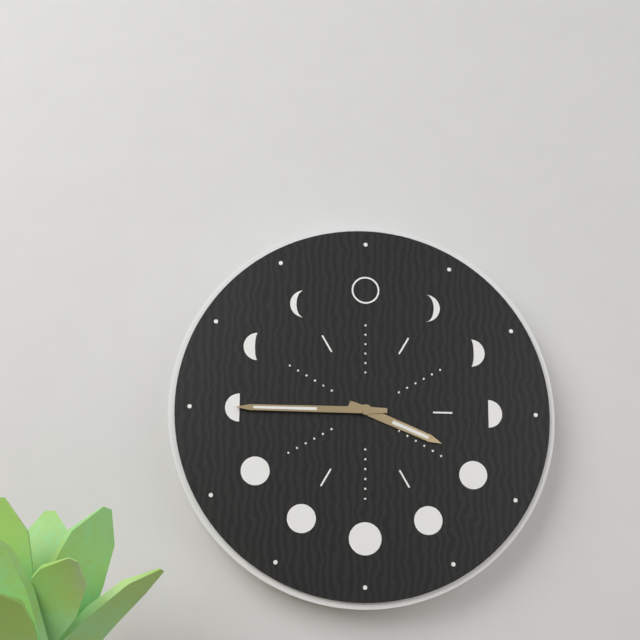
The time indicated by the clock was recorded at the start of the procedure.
3:45
